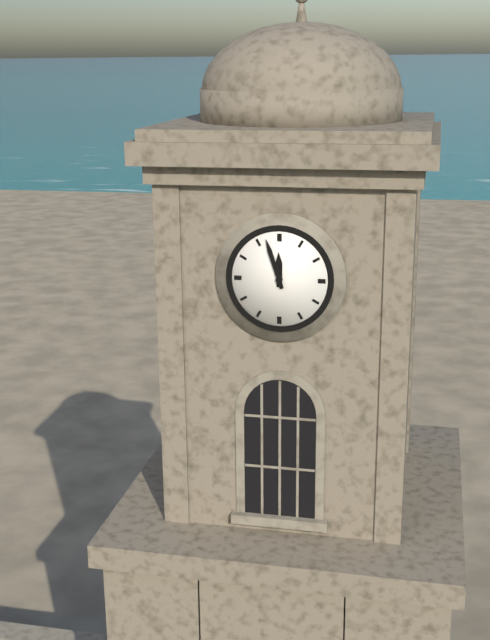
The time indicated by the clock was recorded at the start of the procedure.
11:57
